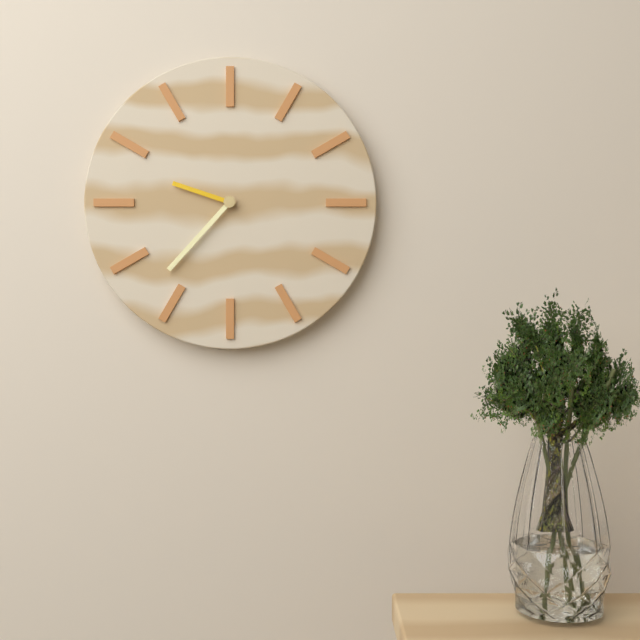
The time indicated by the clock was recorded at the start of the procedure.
9:37
